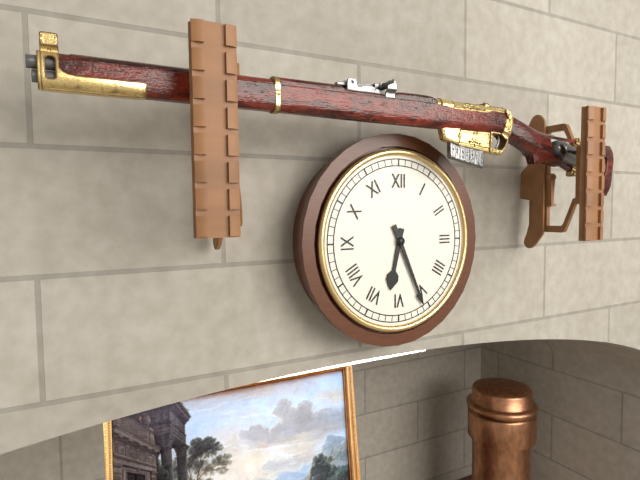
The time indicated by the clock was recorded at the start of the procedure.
6:26
